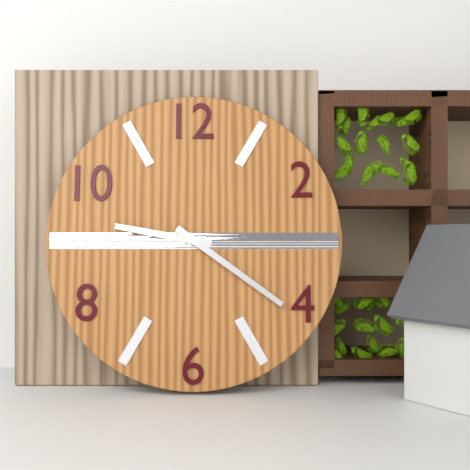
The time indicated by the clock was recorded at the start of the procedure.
9:21
